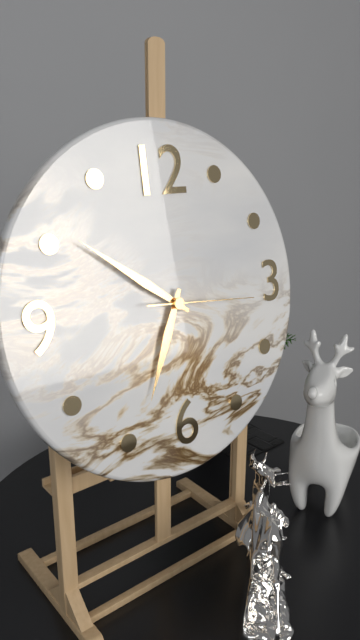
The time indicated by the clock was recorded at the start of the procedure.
6:51:16
